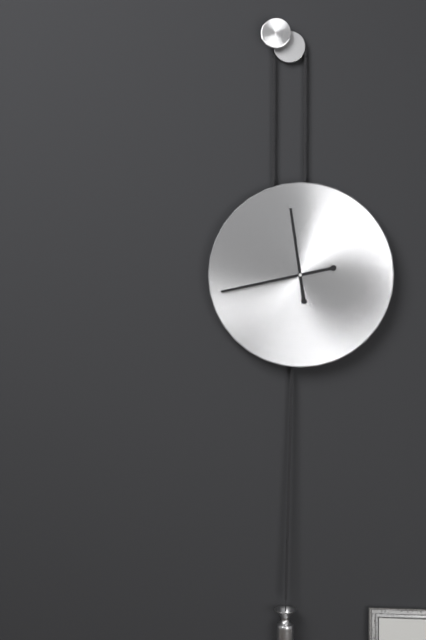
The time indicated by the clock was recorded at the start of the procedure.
11:43
